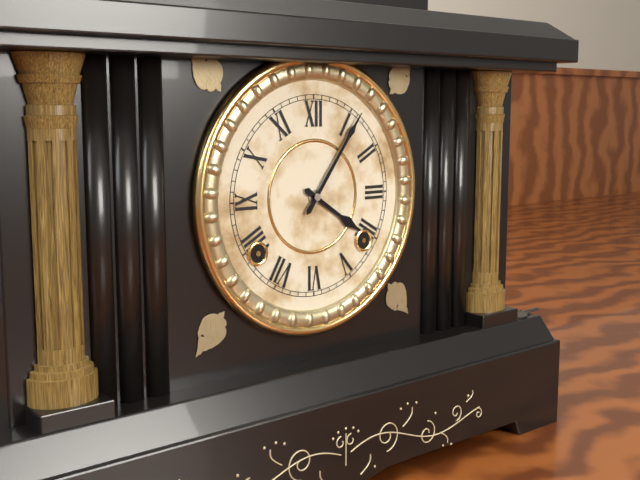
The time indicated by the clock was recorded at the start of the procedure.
4:06
